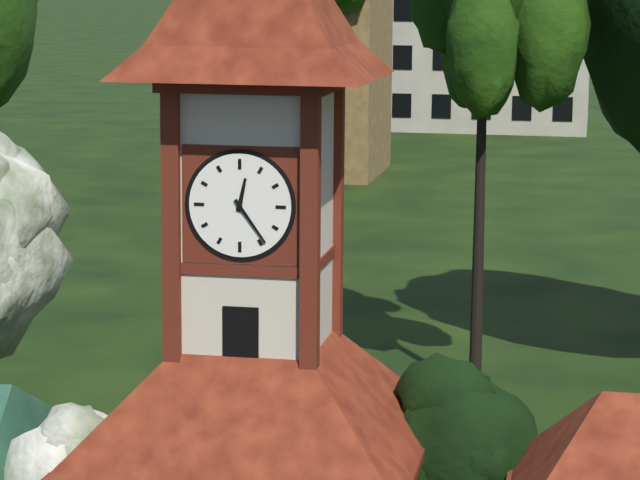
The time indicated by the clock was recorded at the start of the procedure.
12:24
